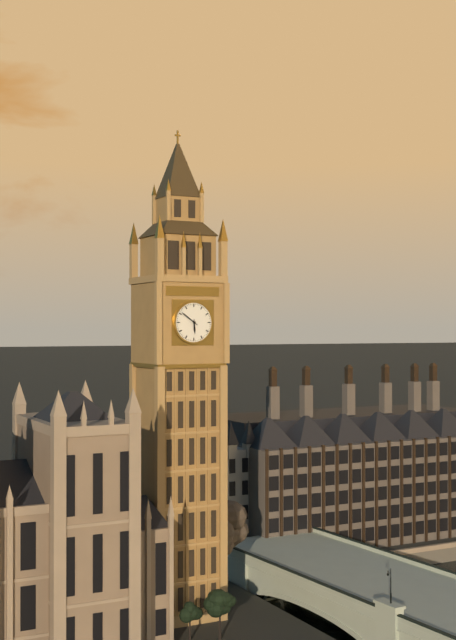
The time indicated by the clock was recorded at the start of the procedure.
5:51
